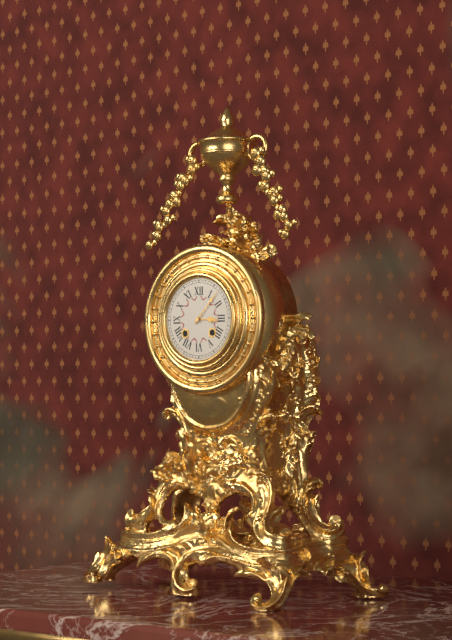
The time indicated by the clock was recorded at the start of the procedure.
3:07
